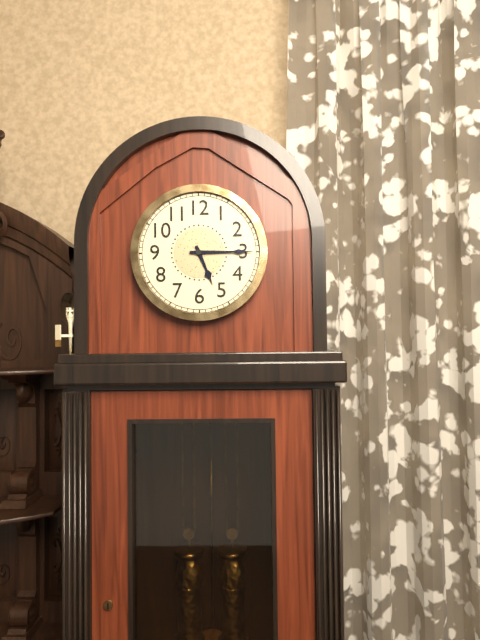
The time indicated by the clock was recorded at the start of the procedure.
5:15
